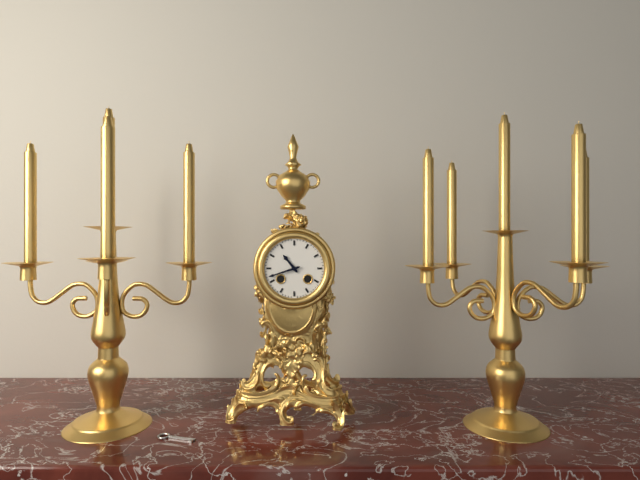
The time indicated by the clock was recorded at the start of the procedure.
10:42
